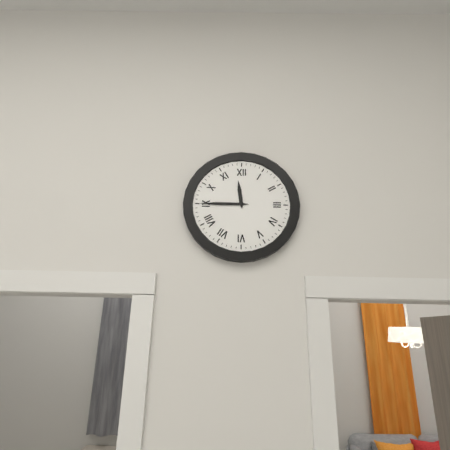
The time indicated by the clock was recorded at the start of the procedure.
11:45
